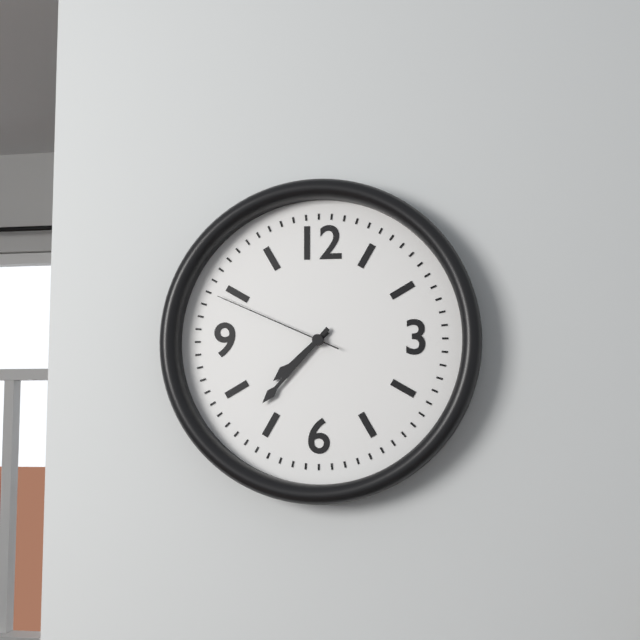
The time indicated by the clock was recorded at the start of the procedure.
7:37:49
